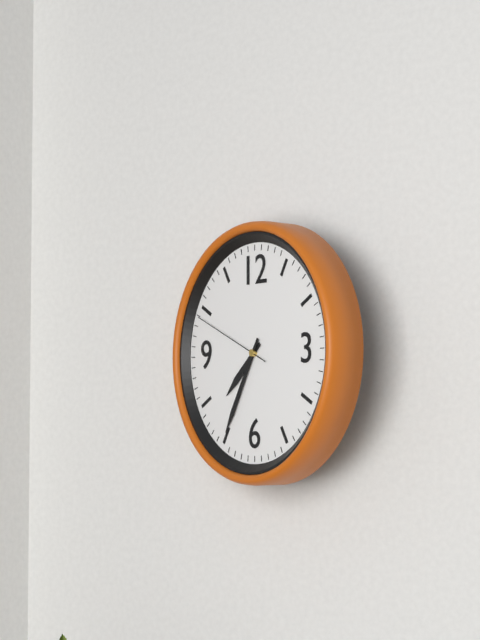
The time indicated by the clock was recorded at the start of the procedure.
7:35:49
